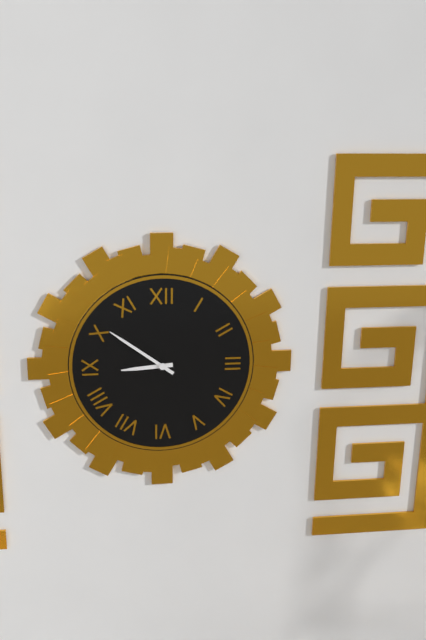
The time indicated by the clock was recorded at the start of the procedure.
8:51
